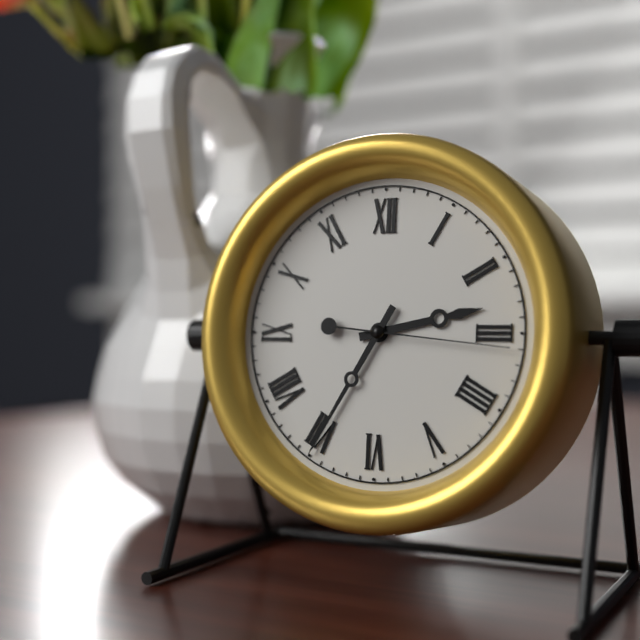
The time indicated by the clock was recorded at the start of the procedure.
2:35:16
